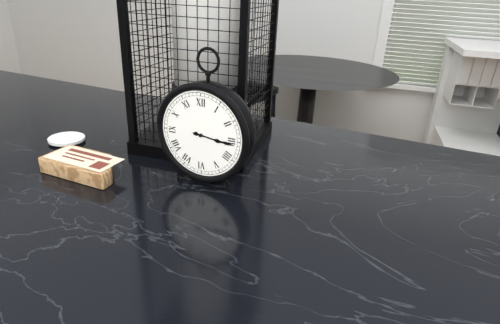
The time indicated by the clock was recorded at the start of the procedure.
3:16
